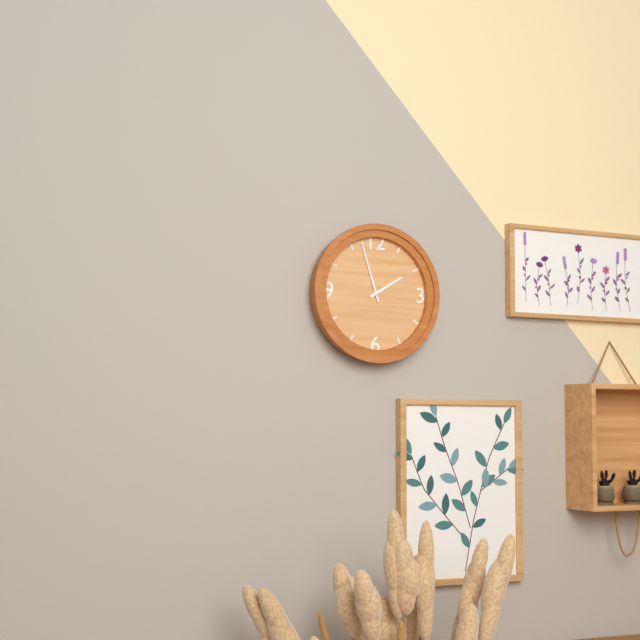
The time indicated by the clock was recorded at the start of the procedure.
1:57
